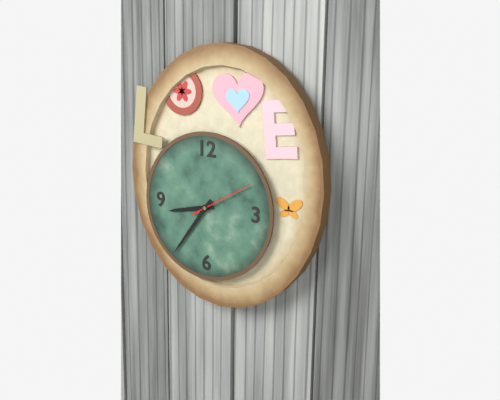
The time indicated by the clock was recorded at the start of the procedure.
8:36:10
